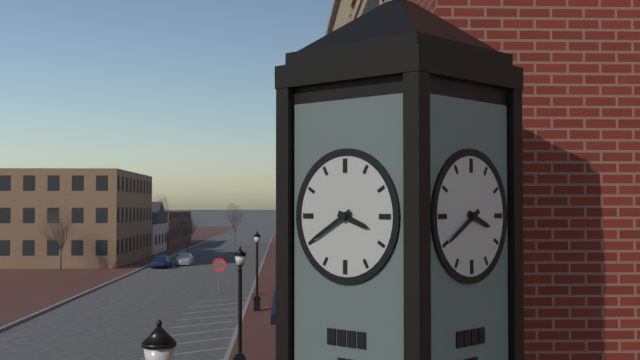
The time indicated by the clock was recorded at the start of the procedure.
3:40
